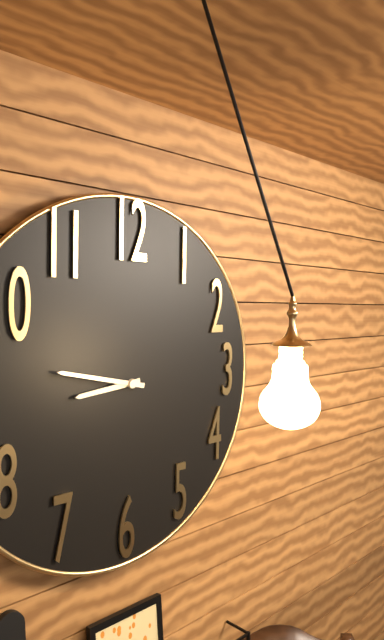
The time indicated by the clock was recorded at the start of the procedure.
8:47
